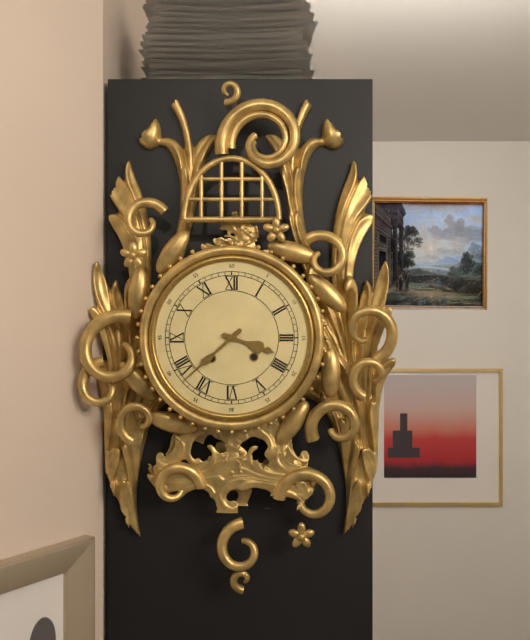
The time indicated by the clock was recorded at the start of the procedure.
3:38
